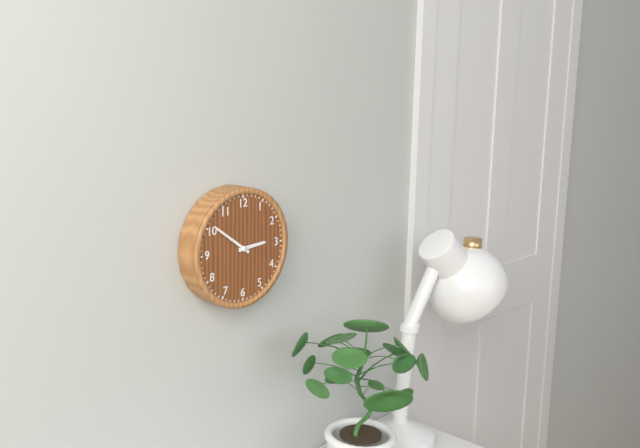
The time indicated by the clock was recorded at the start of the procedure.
2:51
